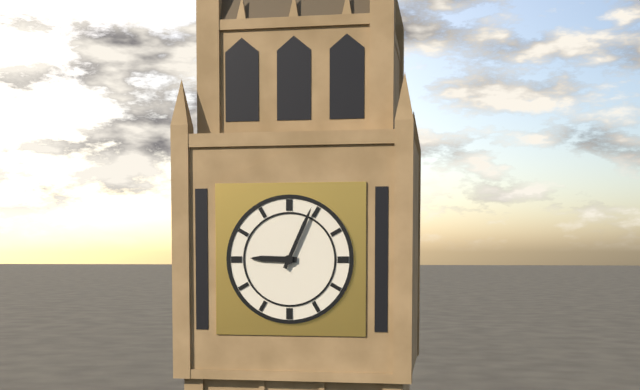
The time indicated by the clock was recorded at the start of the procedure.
9:04
